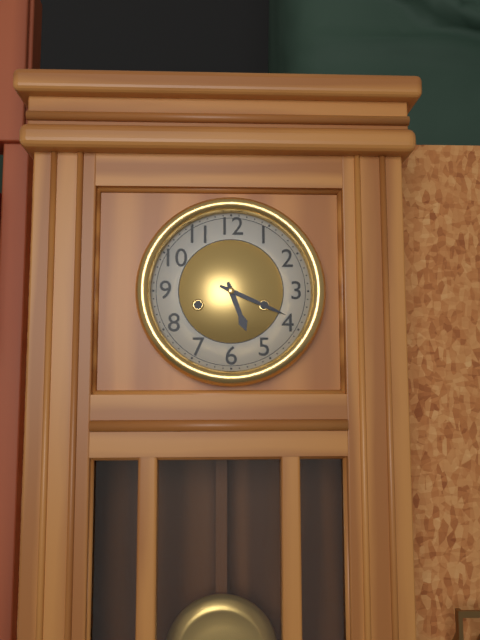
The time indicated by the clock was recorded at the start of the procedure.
5:19
